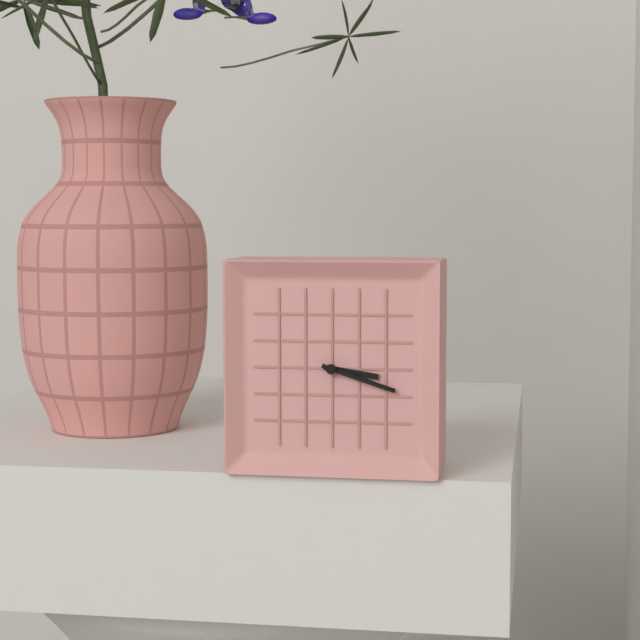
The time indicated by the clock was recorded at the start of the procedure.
3:18
